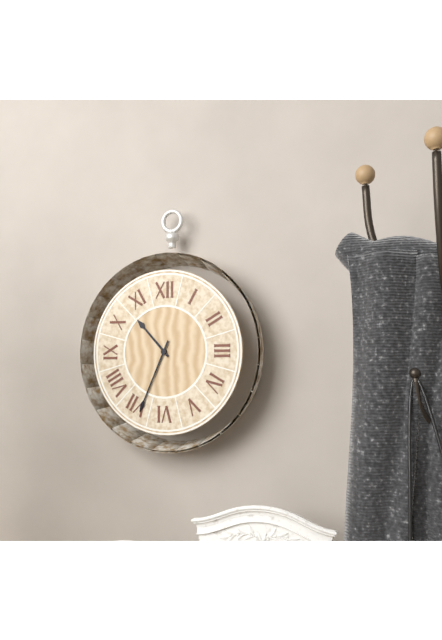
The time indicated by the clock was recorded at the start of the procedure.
10:34
